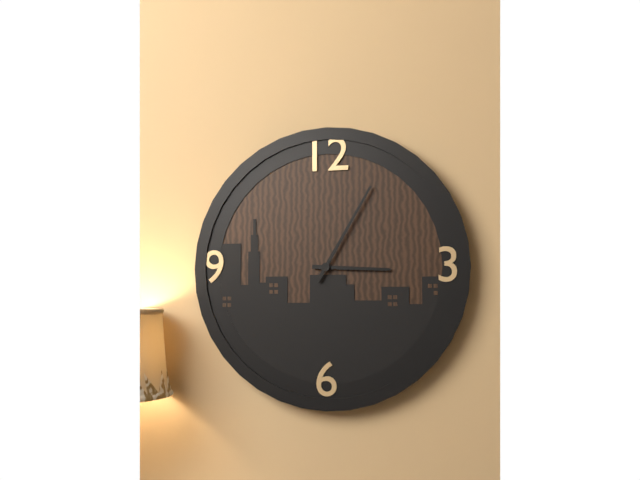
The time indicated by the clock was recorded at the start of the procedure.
3:05
